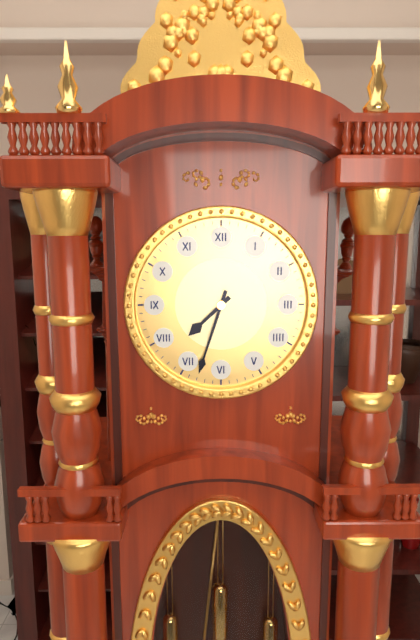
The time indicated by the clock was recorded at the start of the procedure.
7:33
